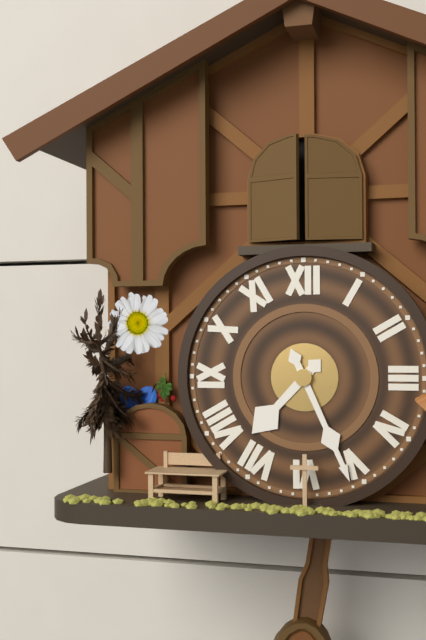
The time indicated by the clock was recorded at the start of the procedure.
7:26
